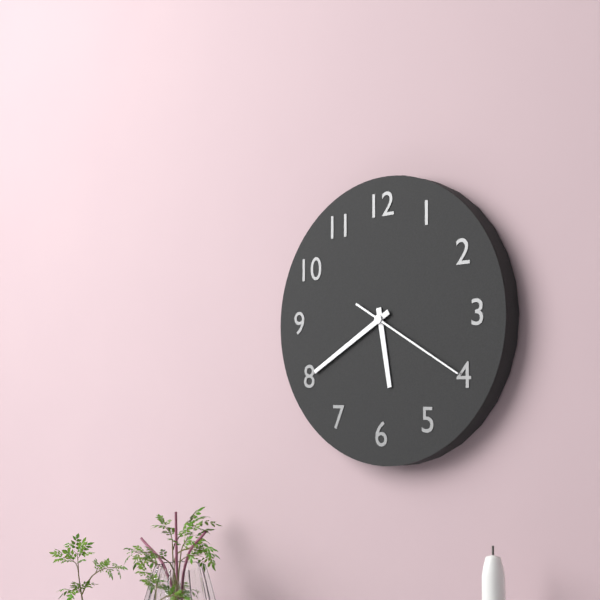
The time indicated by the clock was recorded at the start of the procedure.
5:40:20
